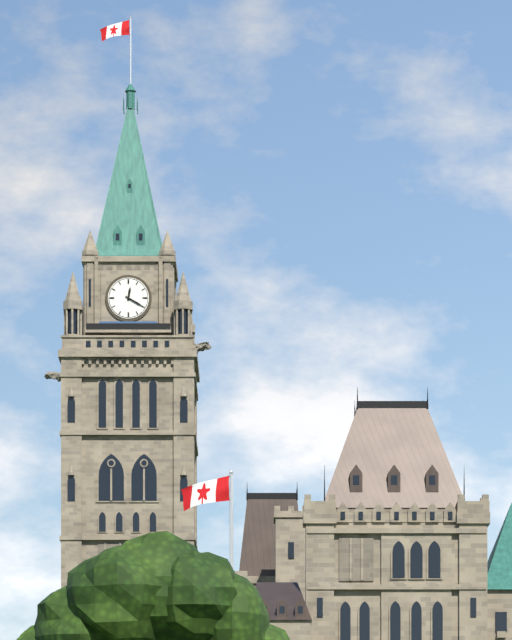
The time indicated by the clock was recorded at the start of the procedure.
12:20
